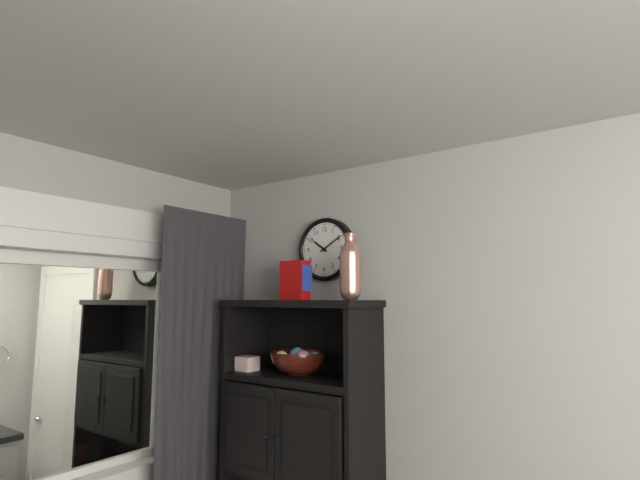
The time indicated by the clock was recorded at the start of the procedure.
10:10
